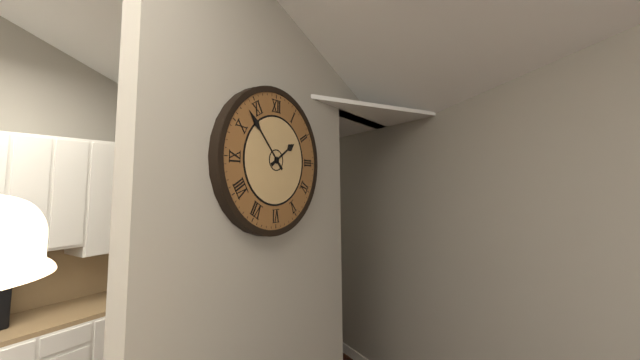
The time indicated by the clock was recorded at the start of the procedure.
1:53
